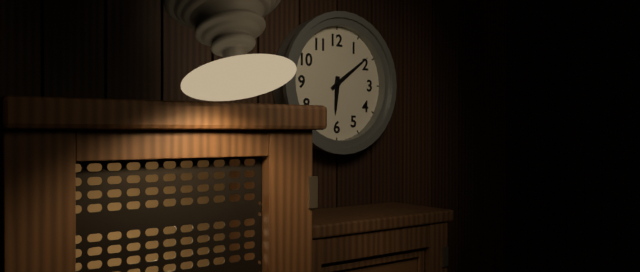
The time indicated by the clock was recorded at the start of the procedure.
6:09
